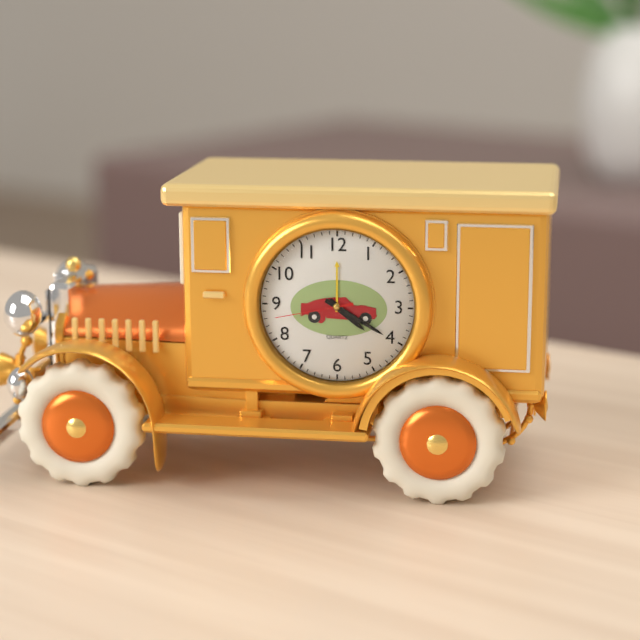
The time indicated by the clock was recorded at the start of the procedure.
4:20:43
